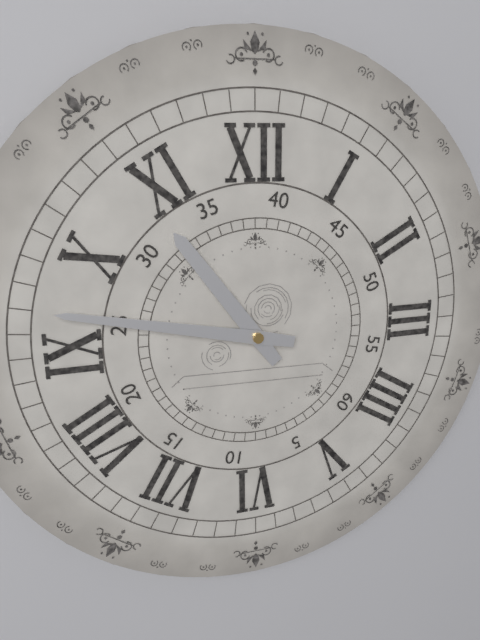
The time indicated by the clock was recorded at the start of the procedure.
10:47
